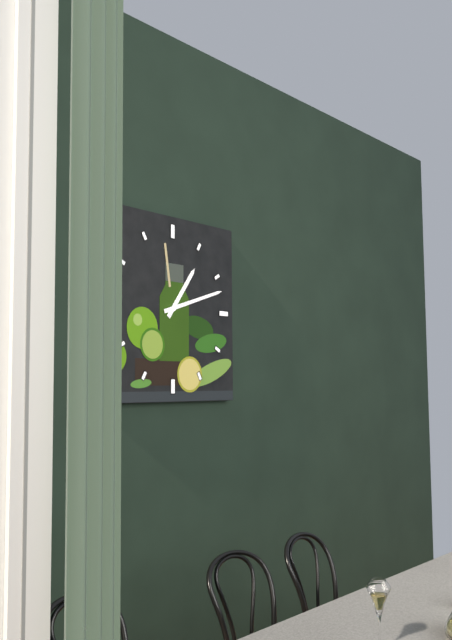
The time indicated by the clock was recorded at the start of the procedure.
1:12
